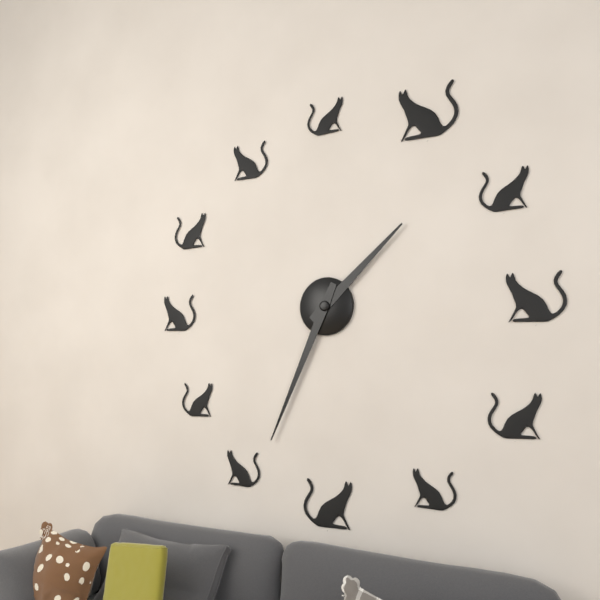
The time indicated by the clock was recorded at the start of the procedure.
1:34
